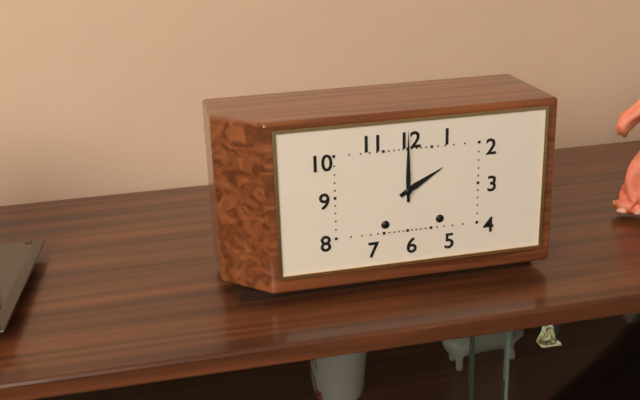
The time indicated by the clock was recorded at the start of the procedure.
2:00
